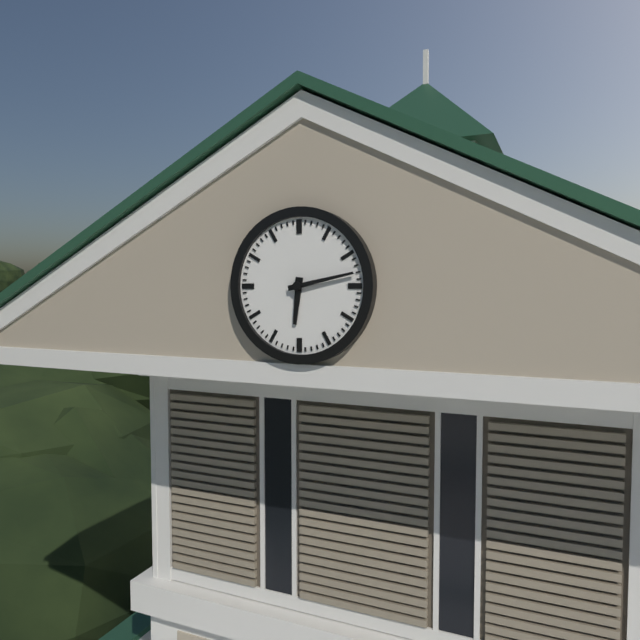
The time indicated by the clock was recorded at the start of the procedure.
6:13
